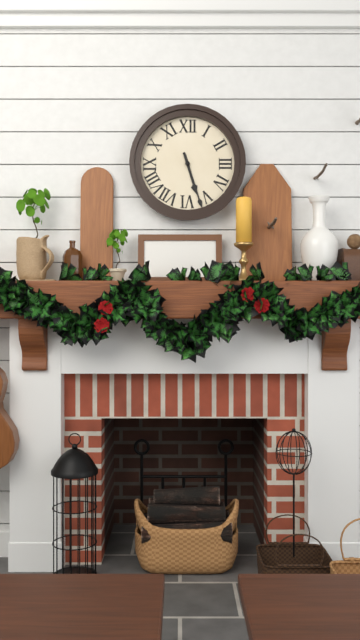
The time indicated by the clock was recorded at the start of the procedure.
5:27
